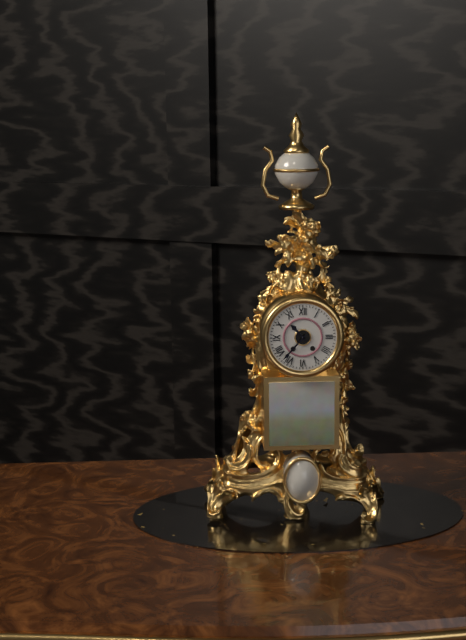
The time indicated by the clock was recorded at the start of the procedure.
10:37
